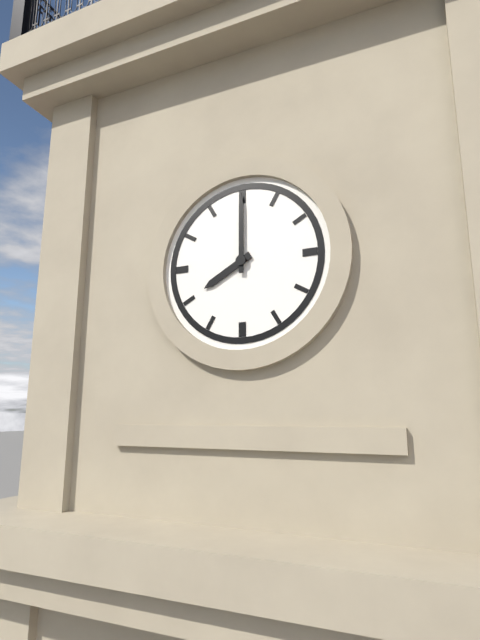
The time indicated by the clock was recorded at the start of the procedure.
8:00
